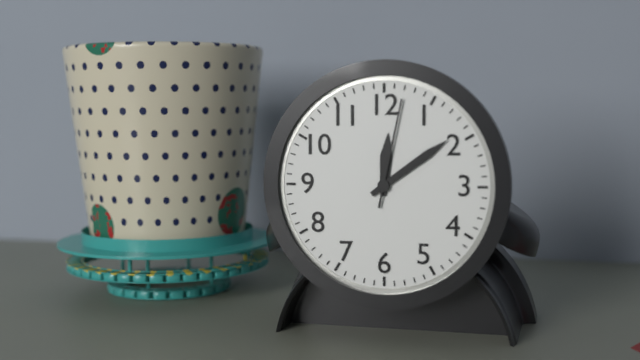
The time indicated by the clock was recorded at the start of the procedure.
12:09:02
